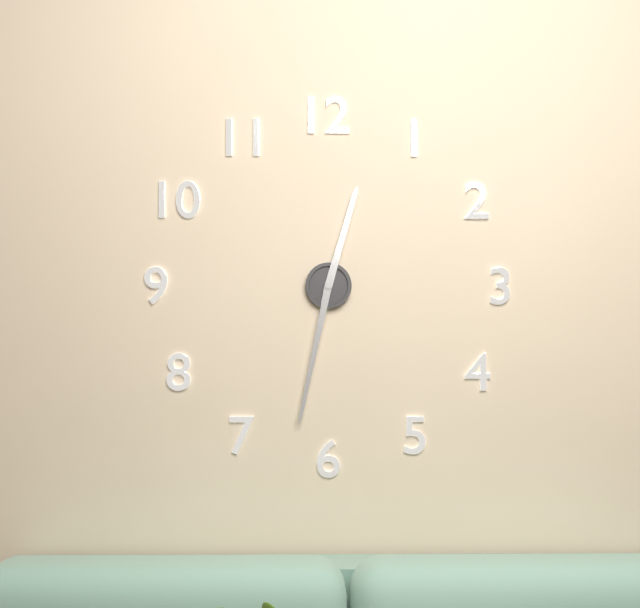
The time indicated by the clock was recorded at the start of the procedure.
12:32
